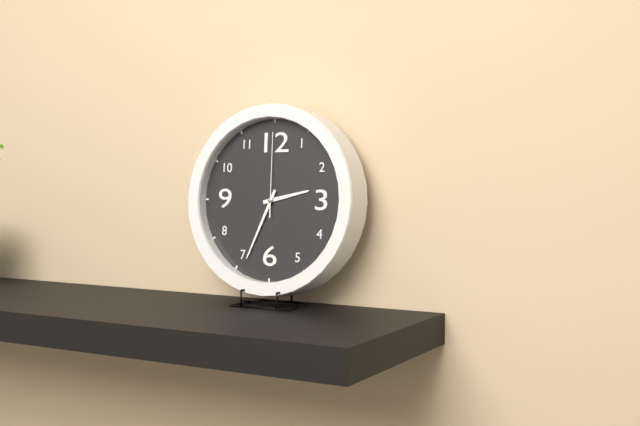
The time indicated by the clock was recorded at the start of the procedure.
2:34:00
